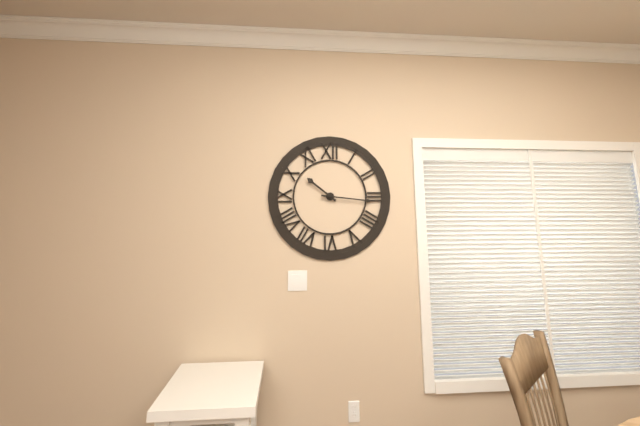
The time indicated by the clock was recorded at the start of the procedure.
10:16
